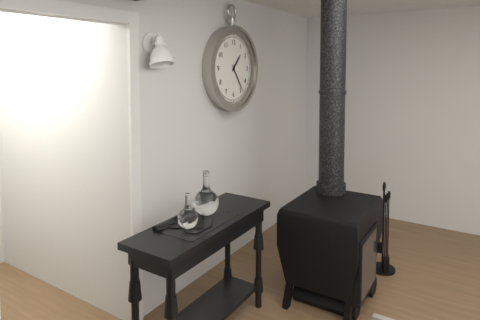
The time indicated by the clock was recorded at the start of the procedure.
1:24
